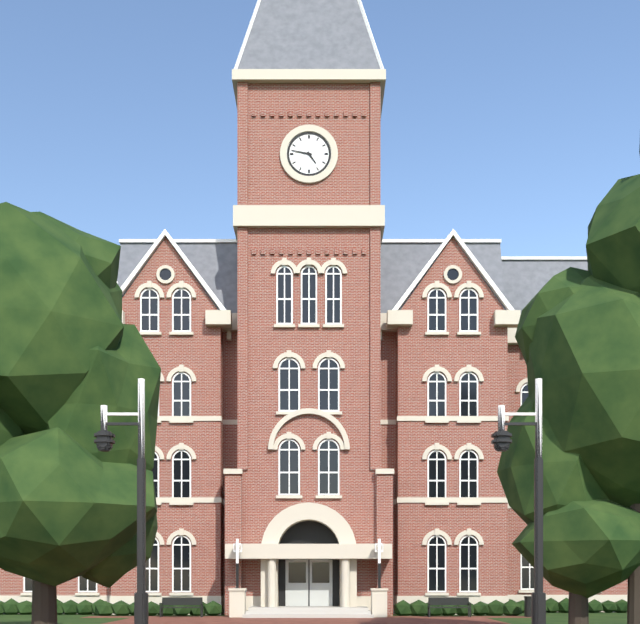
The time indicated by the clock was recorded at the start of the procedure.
4:47
